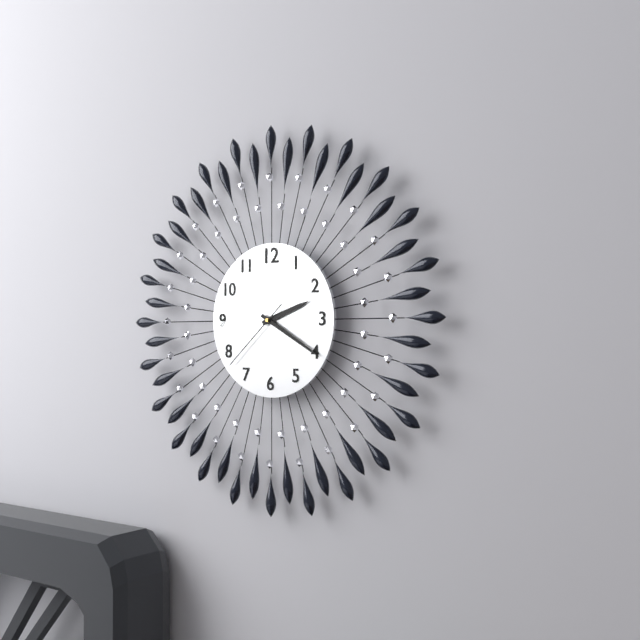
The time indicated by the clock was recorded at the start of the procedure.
2:20:38
